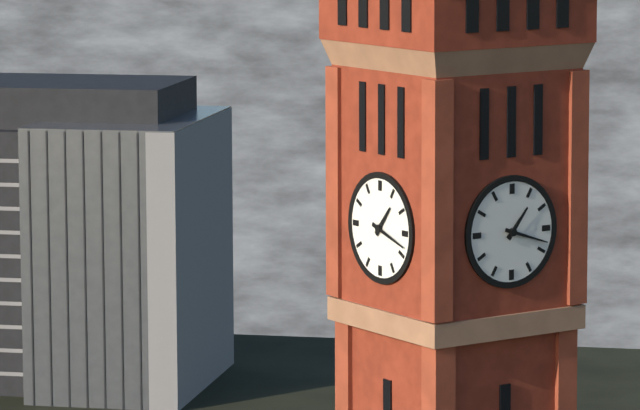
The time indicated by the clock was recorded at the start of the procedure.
1:18
